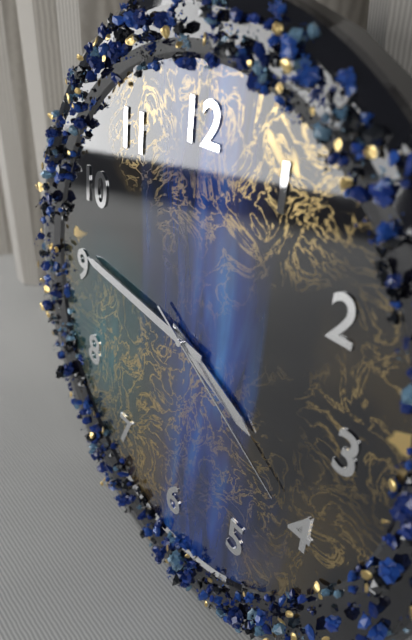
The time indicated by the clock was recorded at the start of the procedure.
3:46:20
